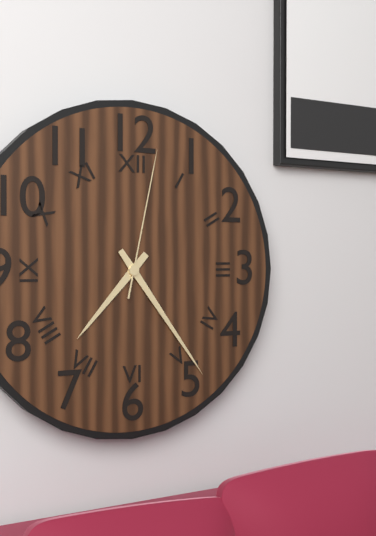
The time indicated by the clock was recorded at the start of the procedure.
7:24:02
